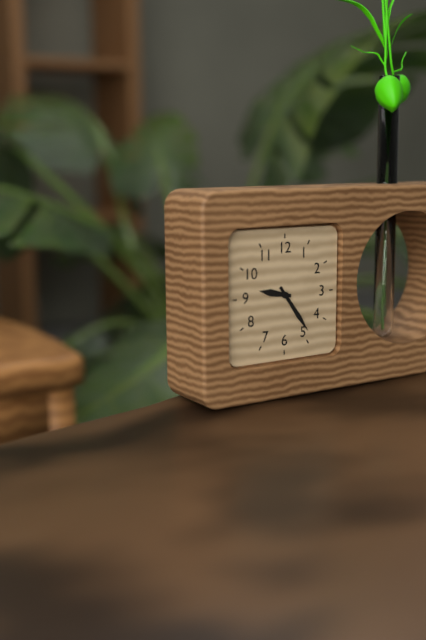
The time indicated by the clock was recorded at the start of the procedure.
9:24
